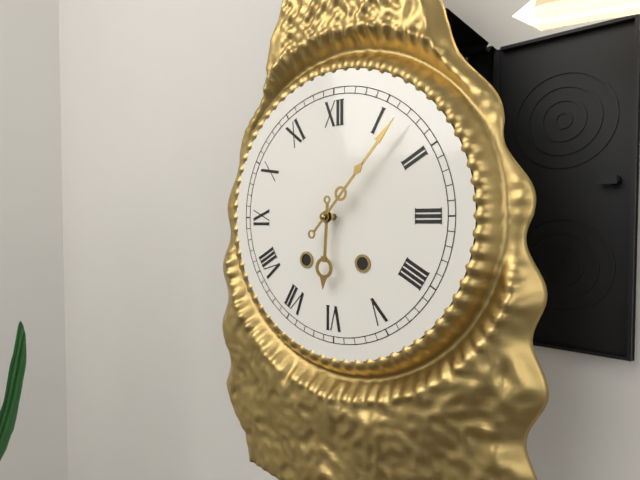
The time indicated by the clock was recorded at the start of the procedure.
6:07
